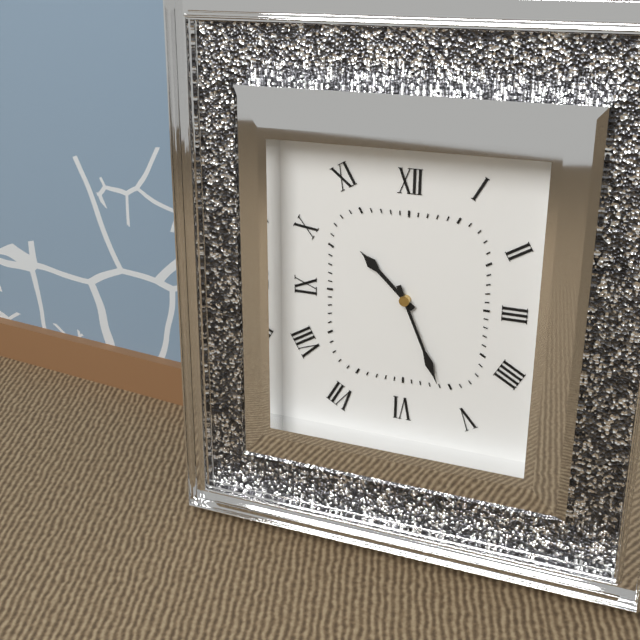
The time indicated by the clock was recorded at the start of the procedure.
10:26
